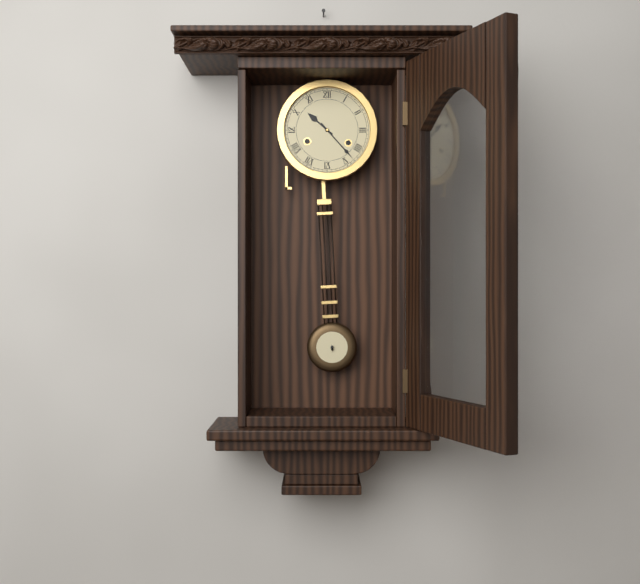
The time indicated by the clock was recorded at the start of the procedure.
10:23
